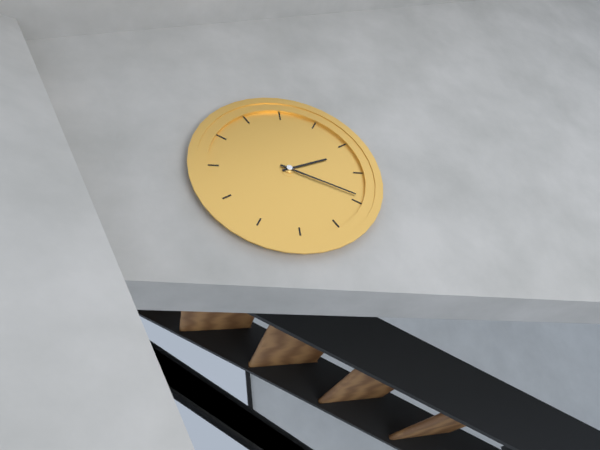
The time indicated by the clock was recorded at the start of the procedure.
2:19
